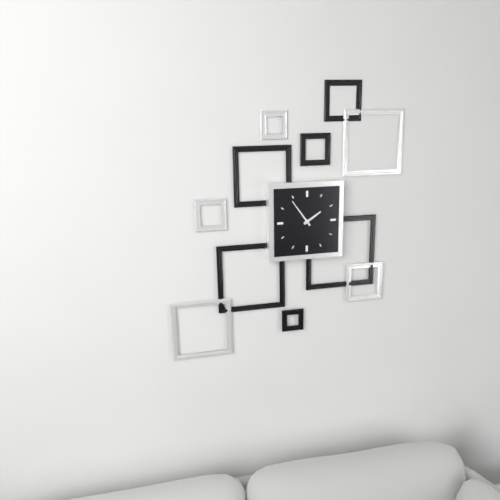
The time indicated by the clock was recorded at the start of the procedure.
1:54
